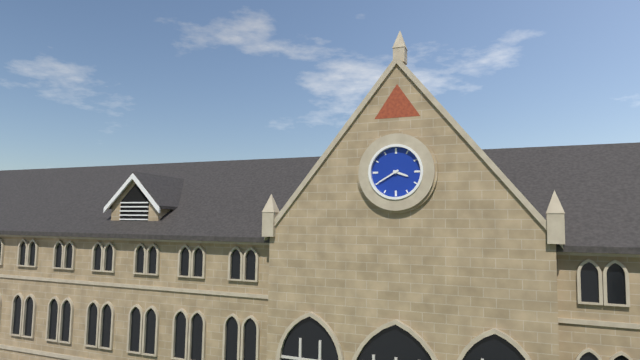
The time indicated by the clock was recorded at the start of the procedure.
3:40
